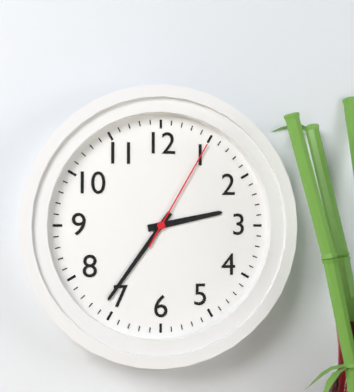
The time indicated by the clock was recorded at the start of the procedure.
2:36:05
